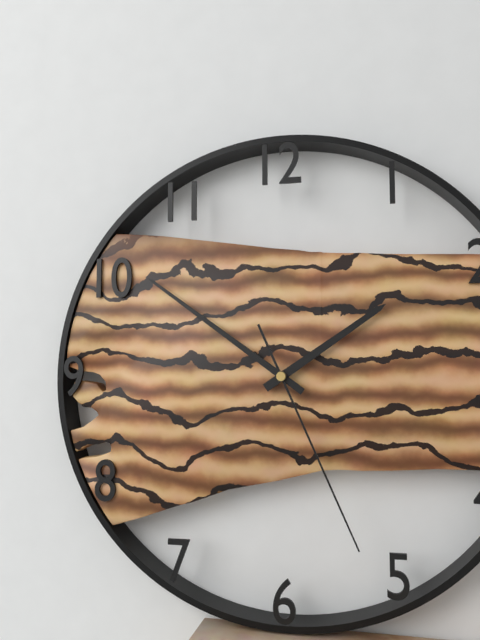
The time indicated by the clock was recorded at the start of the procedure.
1:51:26
